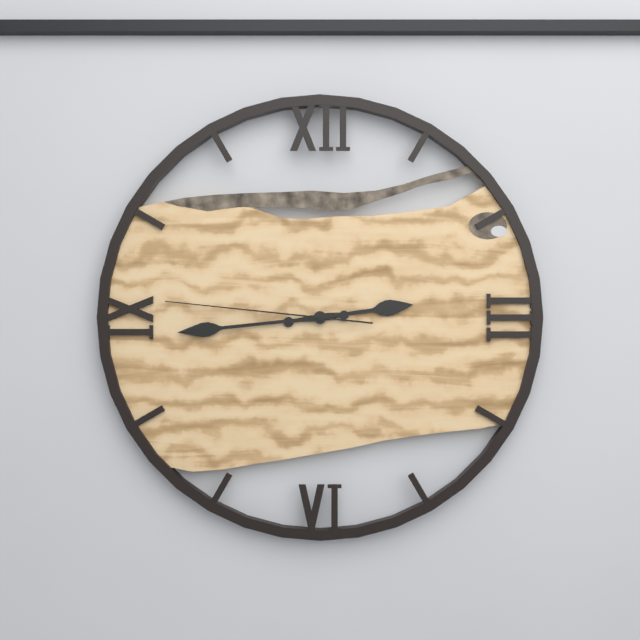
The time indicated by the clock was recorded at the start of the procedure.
2:44:46
